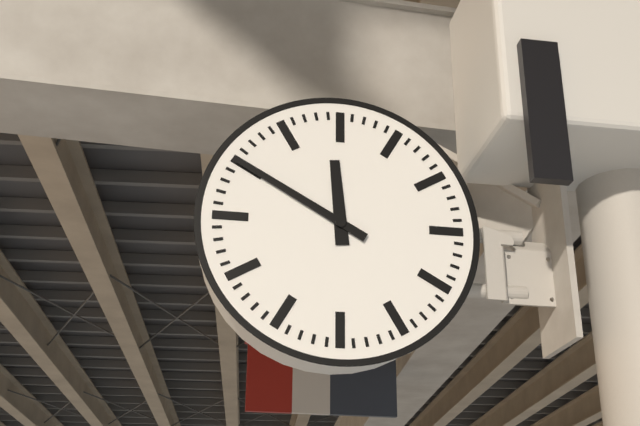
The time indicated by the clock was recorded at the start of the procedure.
11:50
